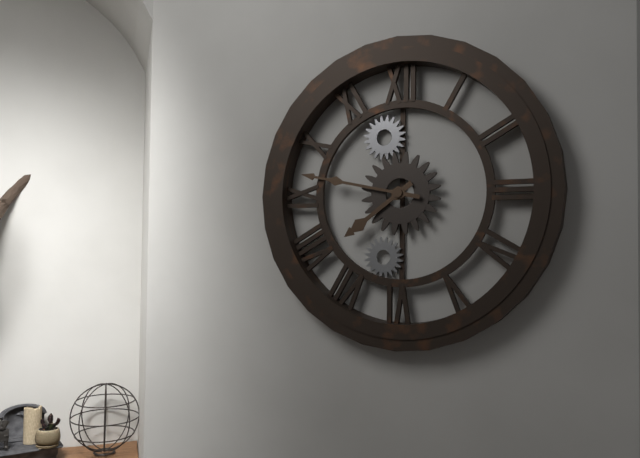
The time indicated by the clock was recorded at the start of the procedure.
7:47
